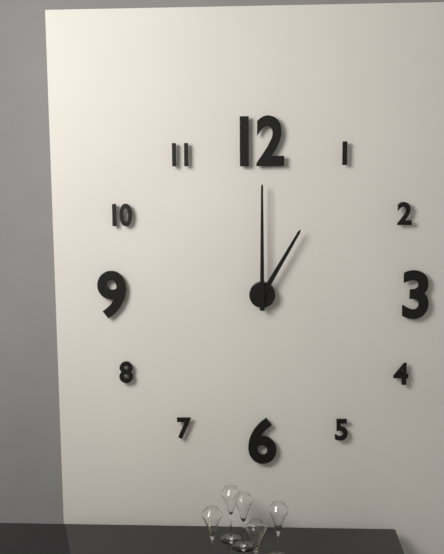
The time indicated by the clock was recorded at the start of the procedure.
1:00
